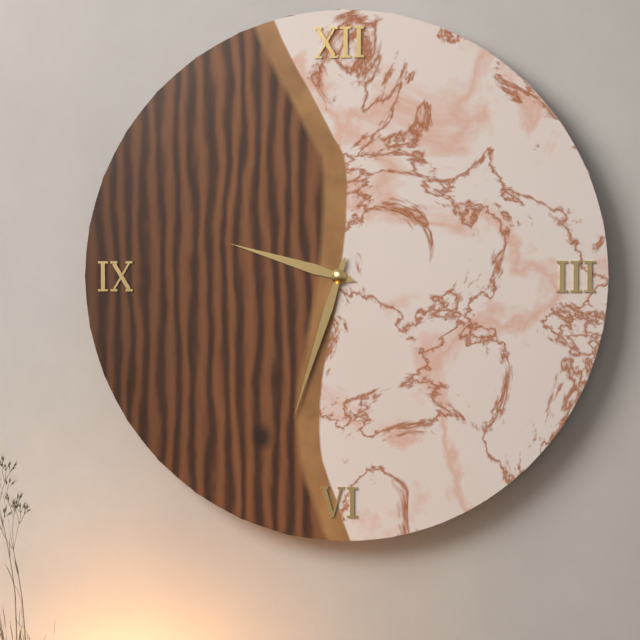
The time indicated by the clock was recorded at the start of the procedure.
9:33
